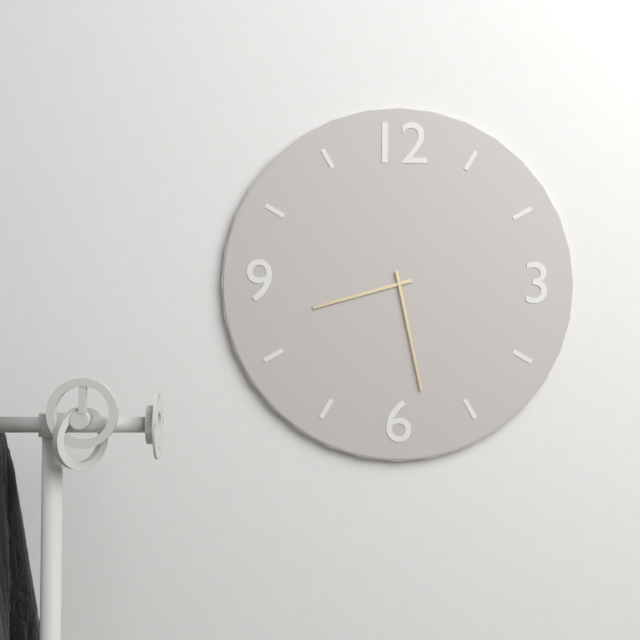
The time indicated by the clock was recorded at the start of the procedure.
8:28
